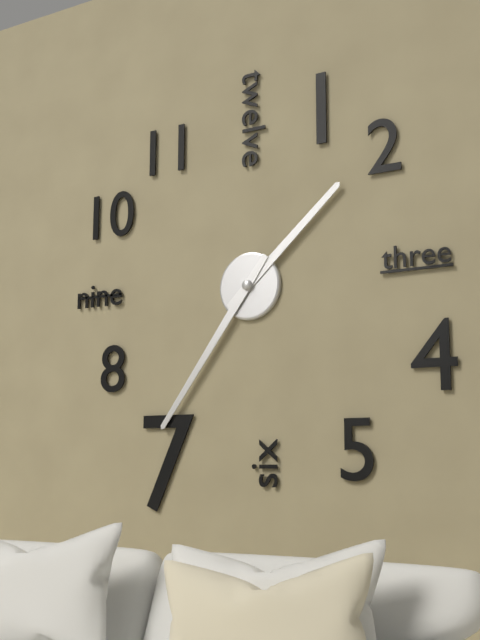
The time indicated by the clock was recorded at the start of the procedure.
1:36
